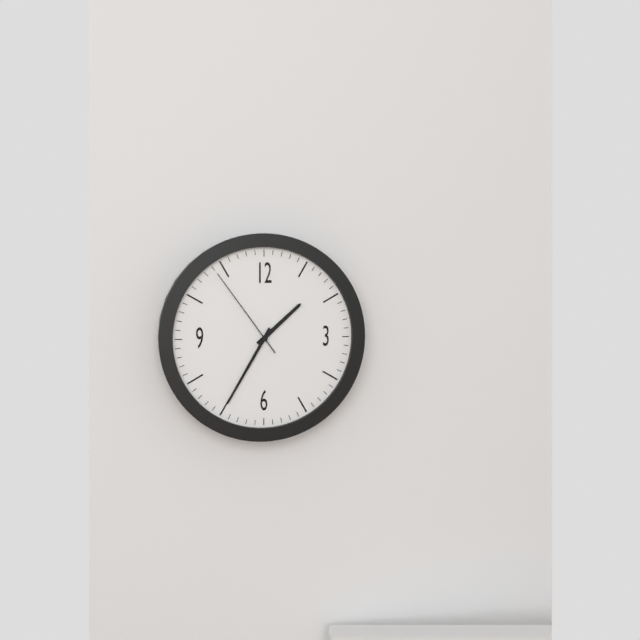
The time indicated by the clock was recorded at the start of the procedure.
1:35:54
